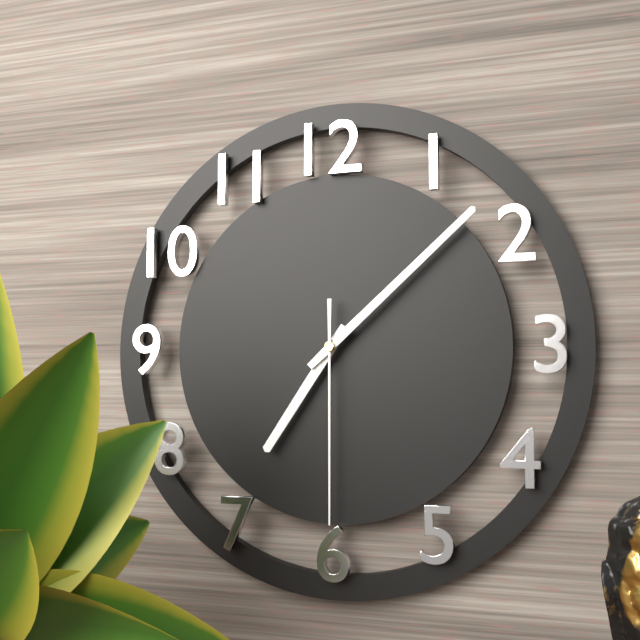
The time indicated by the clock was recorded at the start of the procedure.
7:08:30
